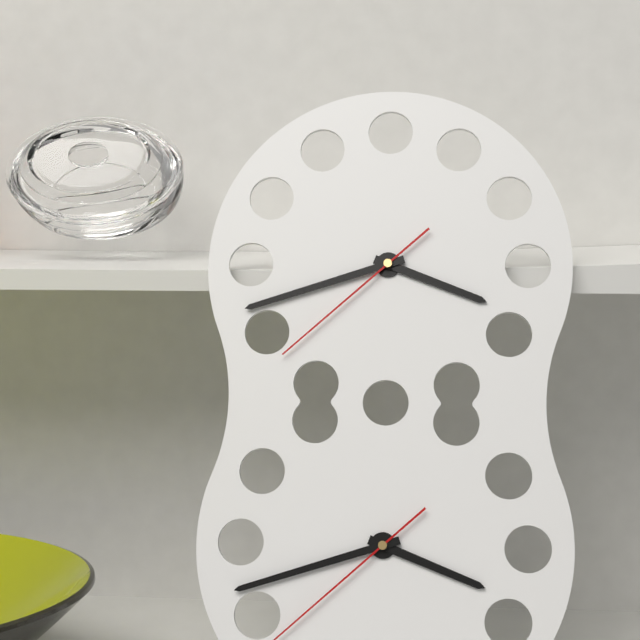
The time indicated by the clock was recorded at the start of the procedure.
3:42:38
